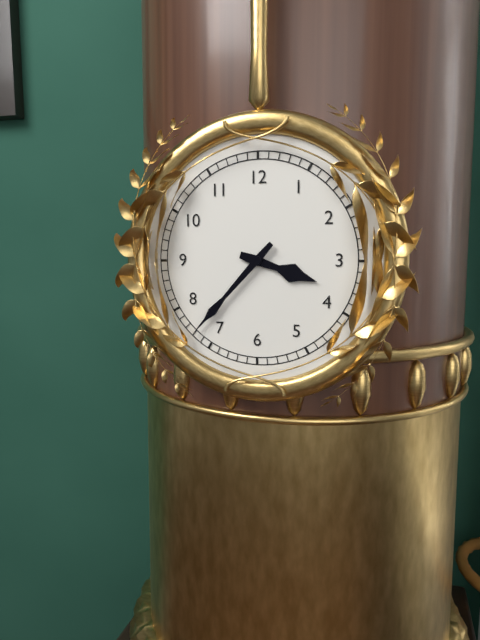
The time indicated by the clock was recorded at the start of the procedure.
3:37
